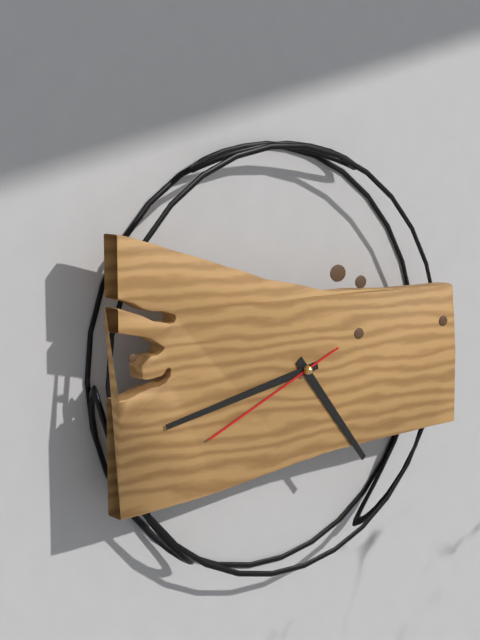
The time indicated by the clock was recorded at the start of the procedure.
4:43:41
